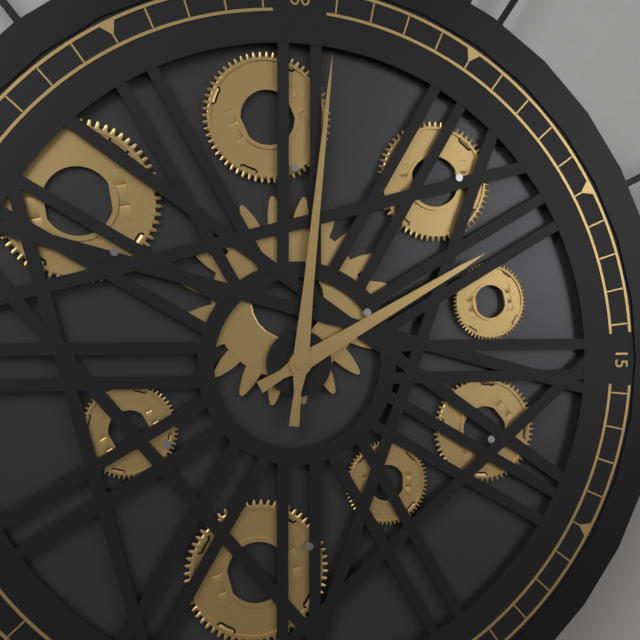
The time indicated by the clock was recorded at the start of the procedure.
2:01
